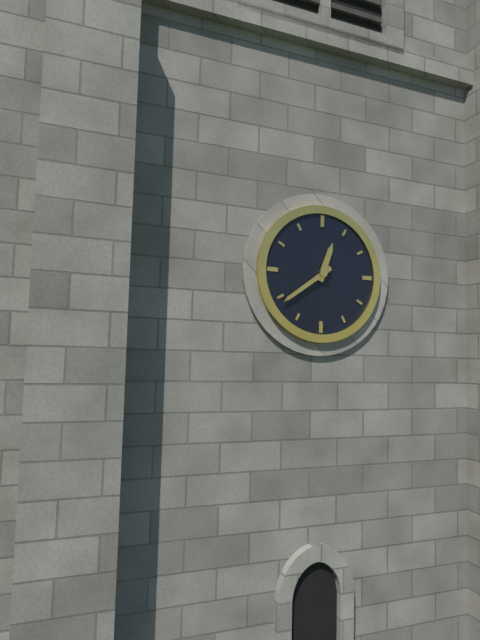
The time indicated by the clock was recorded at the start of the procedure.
12:39
